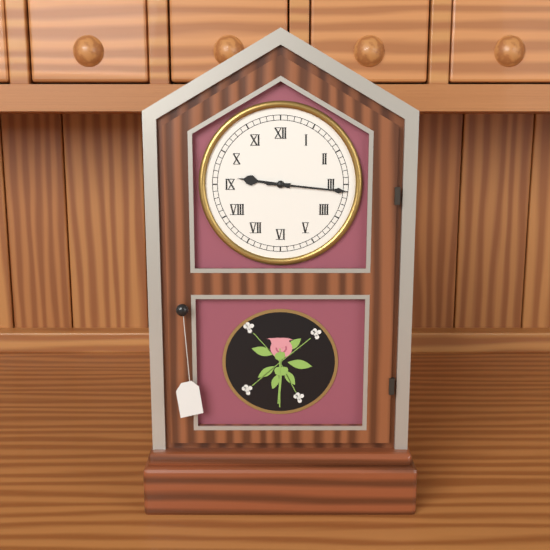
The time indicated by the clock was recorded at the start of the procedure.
9:16
